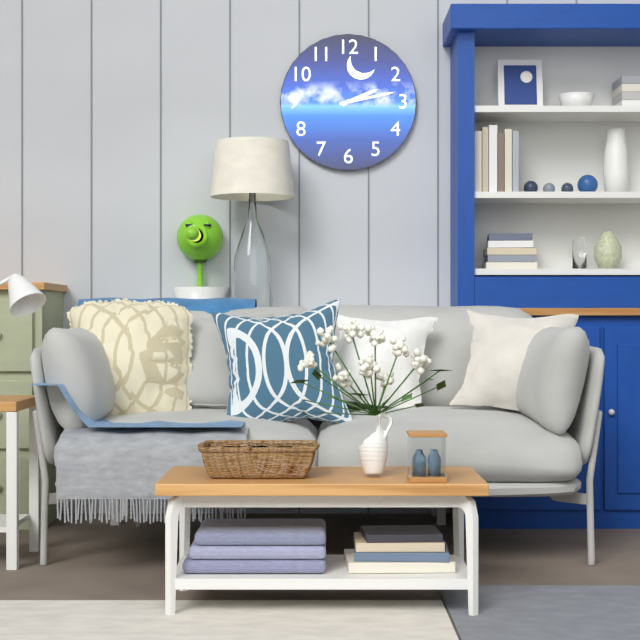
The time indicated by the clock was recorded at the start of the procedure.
2:13
